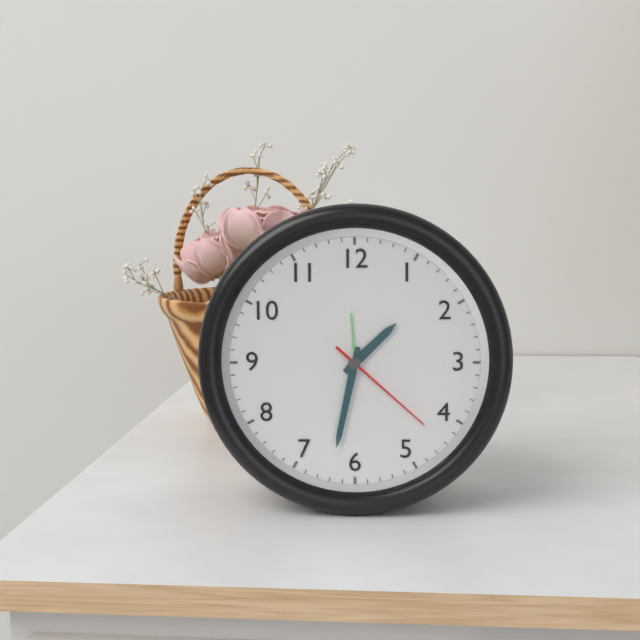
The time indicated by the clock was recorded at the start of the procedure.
1:32:22
